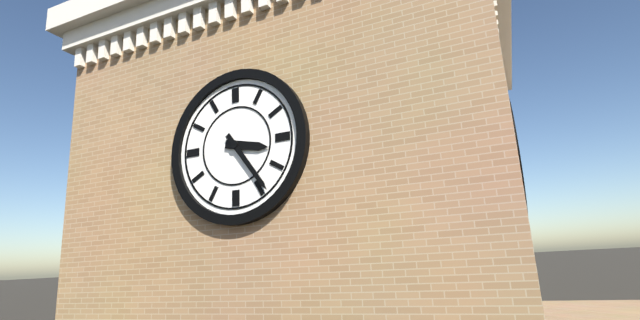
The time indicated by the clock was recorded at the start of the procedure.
3:24
